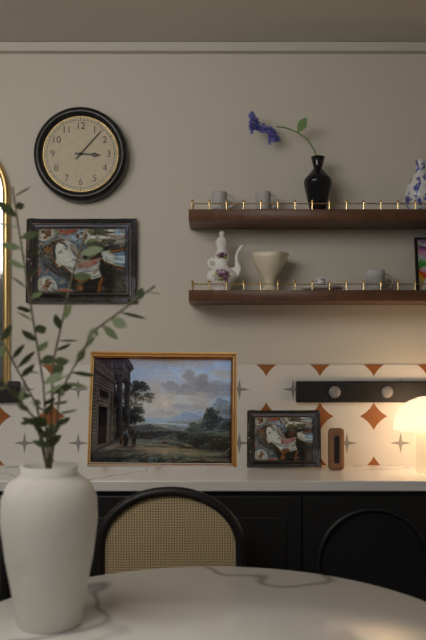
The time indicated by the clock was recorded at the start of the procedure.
3:07
